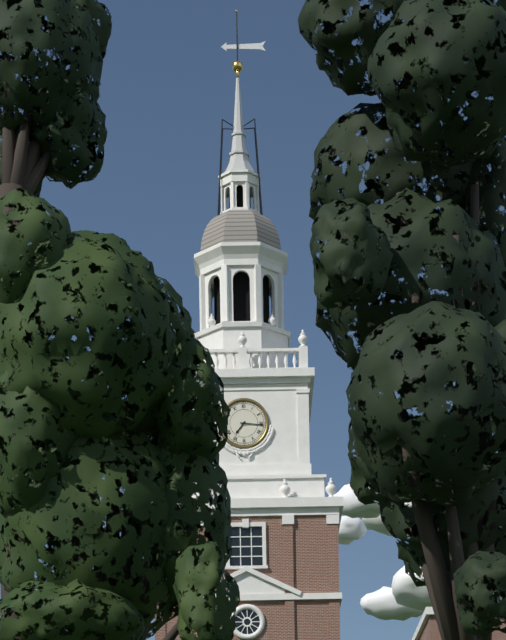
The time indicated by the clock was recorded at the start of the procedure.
7:16
